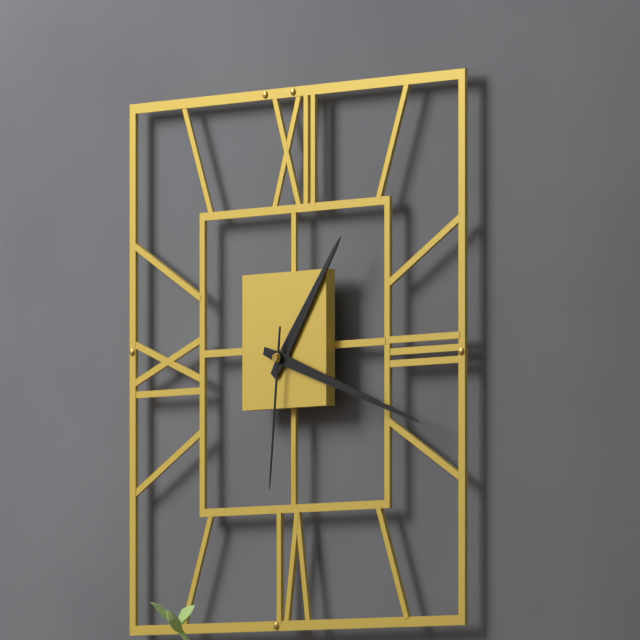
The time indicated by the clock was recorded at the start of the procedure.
1:18:31
